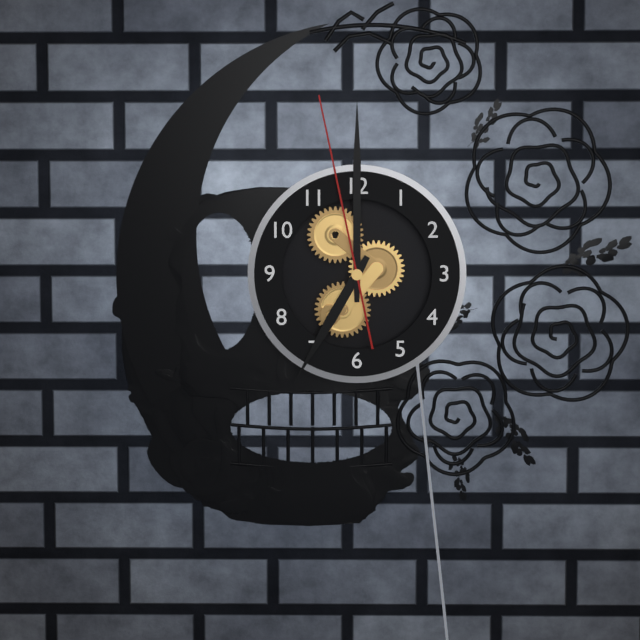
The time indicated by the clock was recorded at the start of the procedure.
7:00:58
